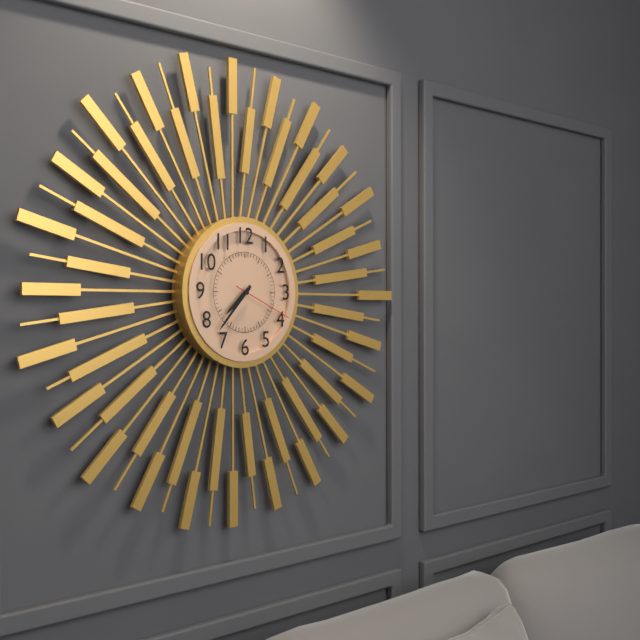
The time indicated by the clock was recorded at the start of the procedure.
7:37:19
